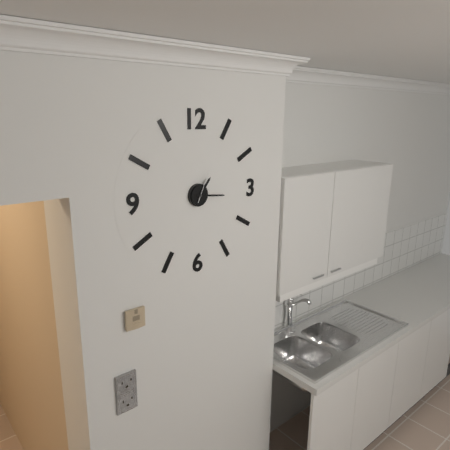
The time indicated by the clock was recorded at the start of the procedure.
1:16
